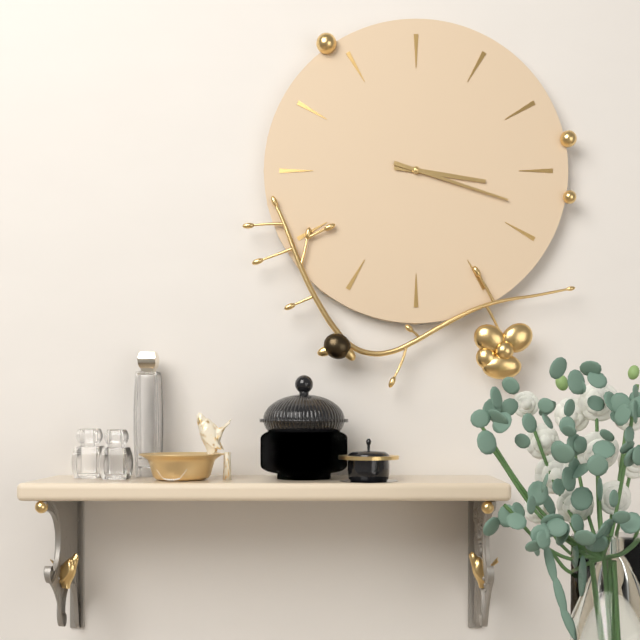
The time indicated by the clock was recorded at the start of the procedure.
3:18
